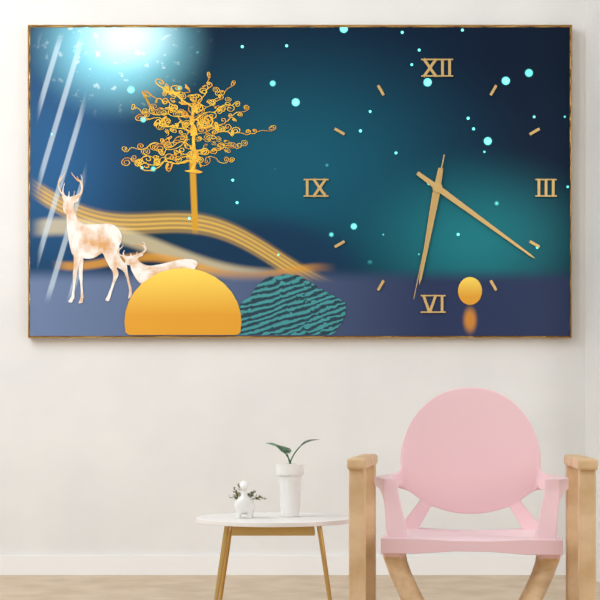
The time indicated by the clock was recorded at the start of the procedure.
6:21:32
